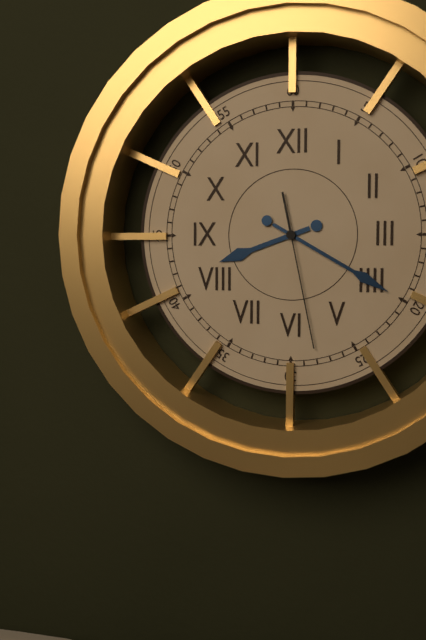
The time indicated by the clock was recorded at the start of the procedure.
8:20:28
